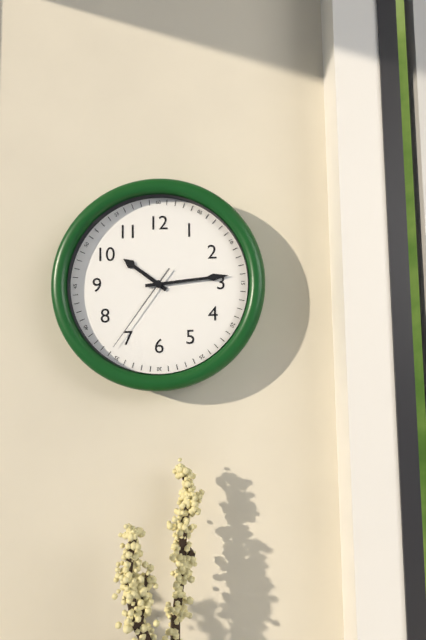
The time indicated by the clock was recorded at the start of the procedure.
10:14:36
